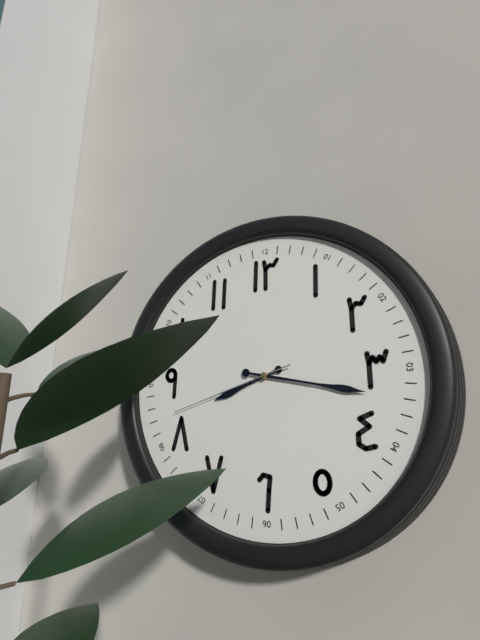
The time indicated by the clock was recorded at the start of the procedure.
8:17:42
